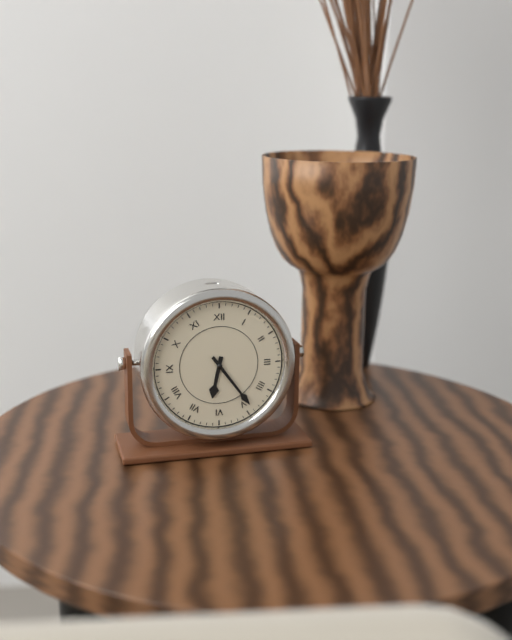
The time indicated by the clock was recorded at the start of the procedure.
6:24
